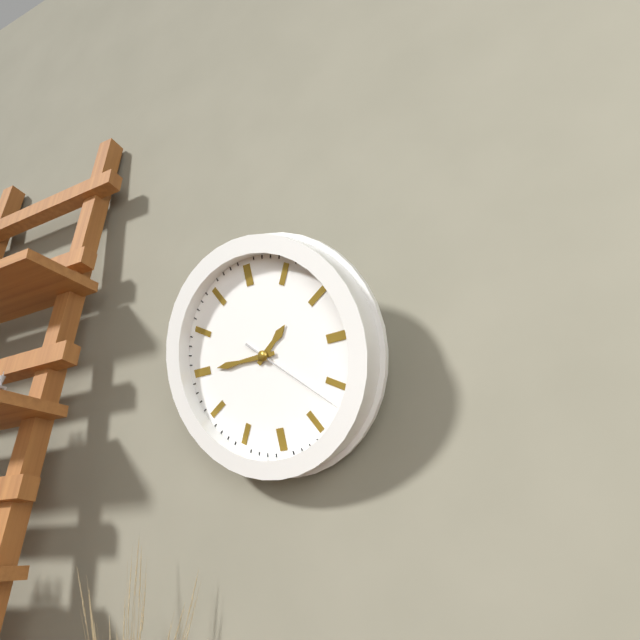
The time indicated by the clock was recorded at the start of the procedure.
1:45:22
